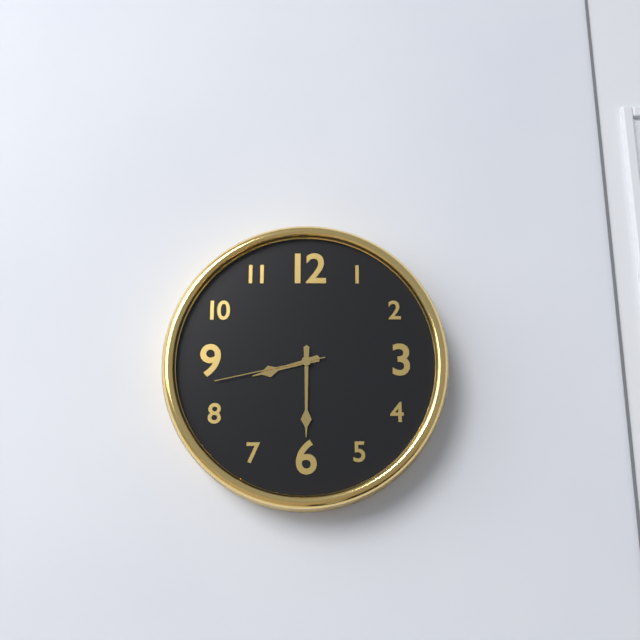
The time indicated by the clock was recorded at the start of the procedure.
8:30:43
